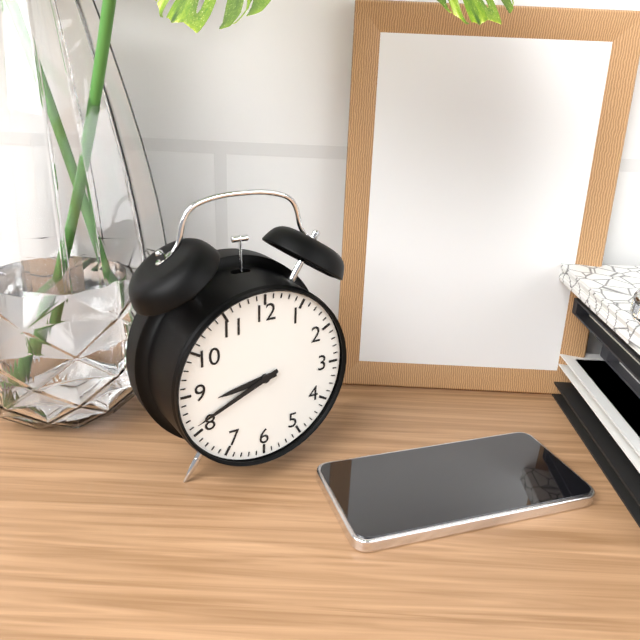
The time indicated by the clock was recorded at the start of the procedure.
8:41
